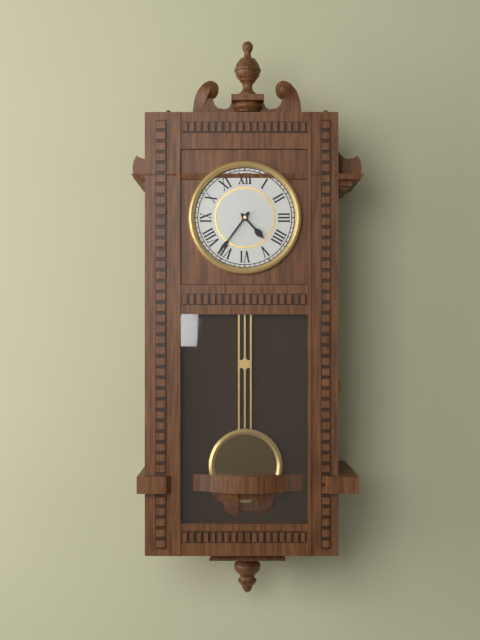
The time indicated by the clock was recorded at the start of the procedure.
4:36
